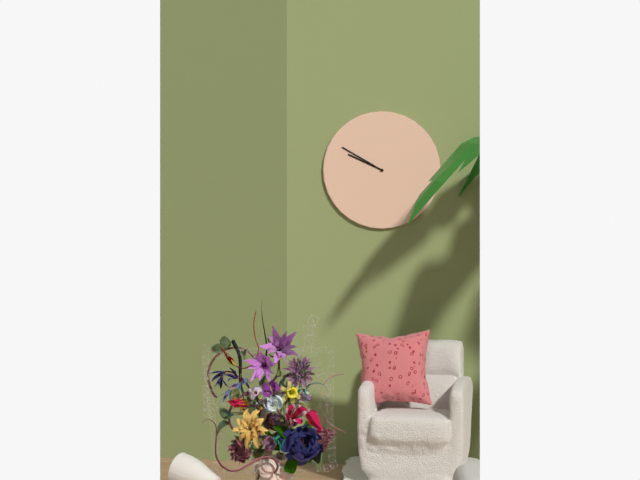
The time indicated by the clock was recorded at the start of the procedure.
9:50
